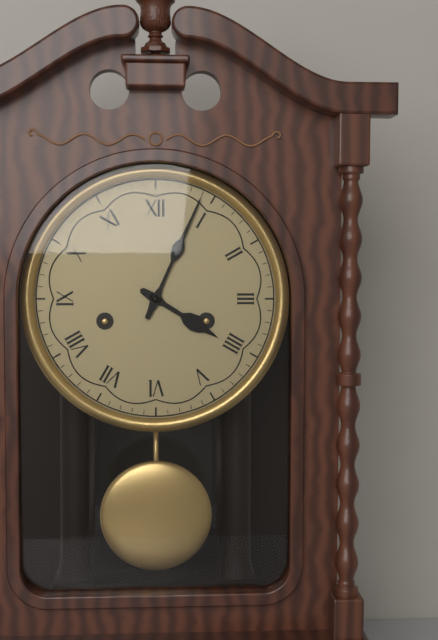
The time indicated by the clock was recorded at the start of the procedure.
4:04
